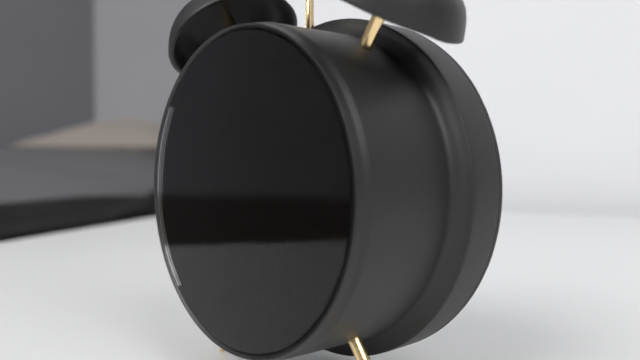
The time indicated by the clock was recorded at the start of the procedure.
1:17:51
